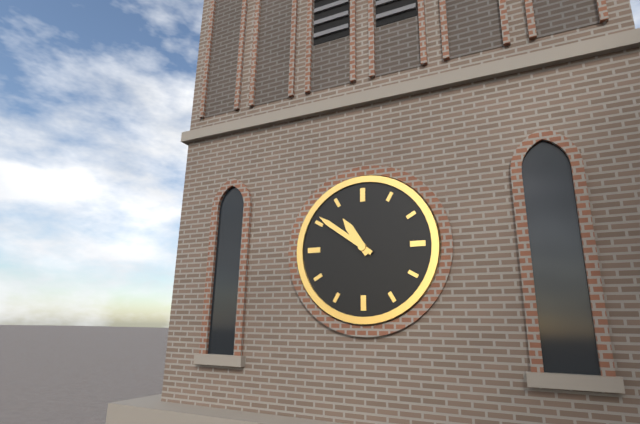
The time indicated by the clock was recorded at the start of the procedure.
10:51
